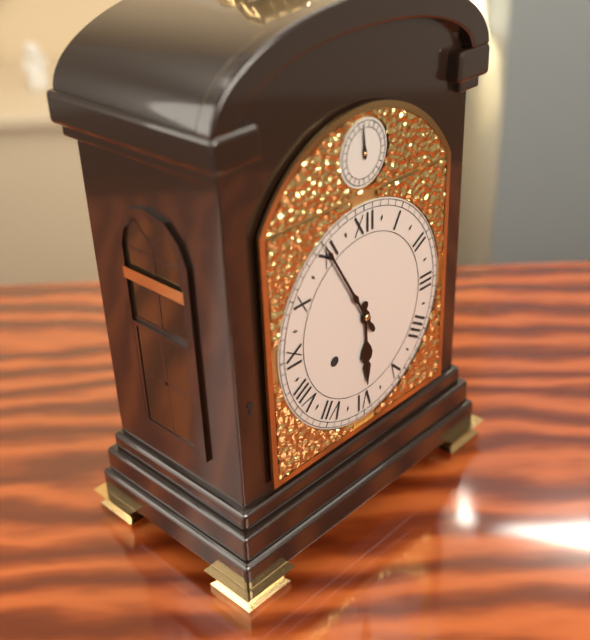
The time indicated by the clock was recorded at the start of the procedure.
5:55
